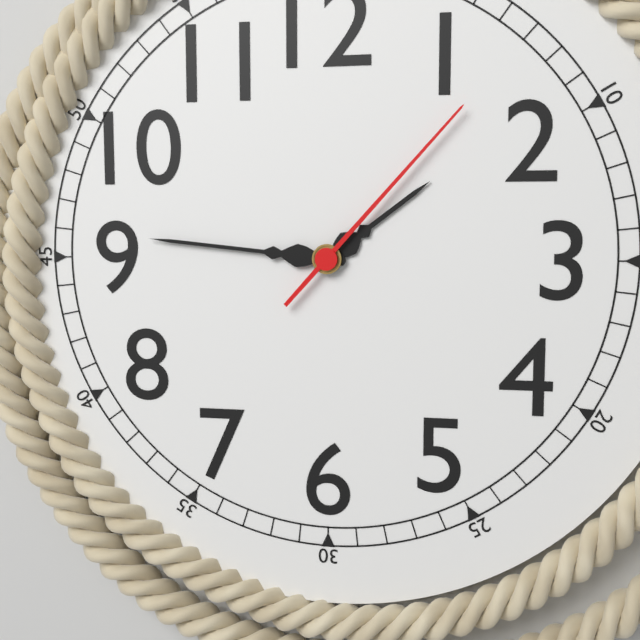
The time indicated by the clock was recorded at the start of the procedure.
1:46:07
